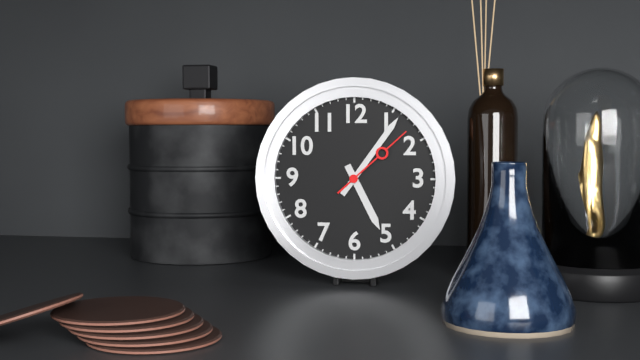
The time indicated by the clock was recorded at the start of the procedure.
5:06:08
